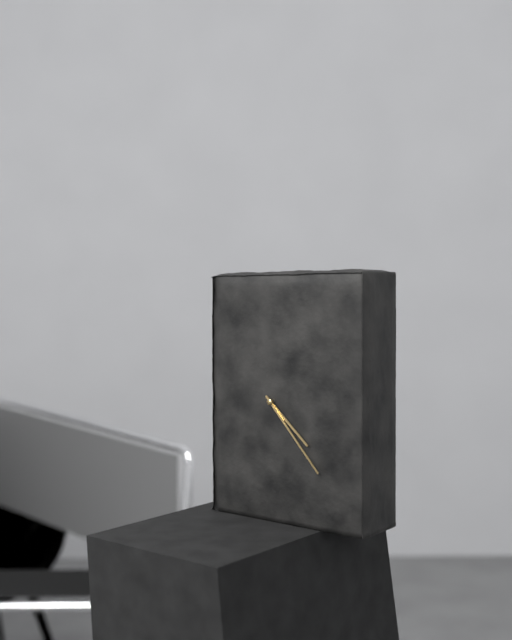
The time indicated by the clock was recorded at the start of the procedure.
4:23
